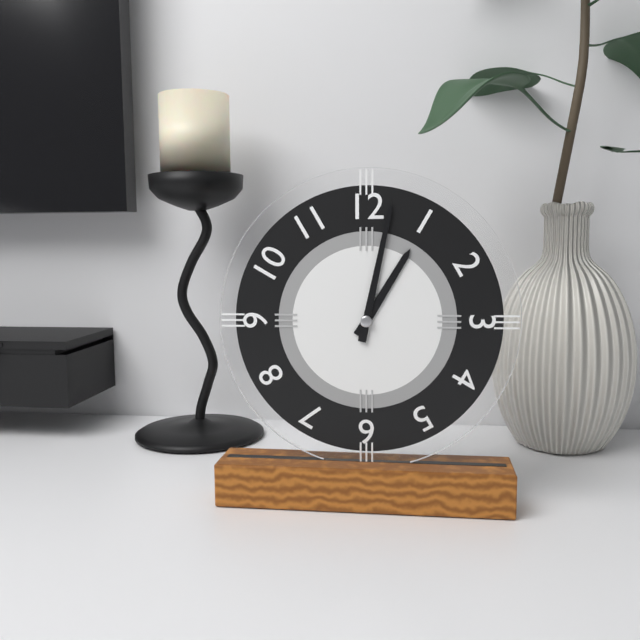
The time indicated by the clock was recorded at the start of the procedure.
1:02
